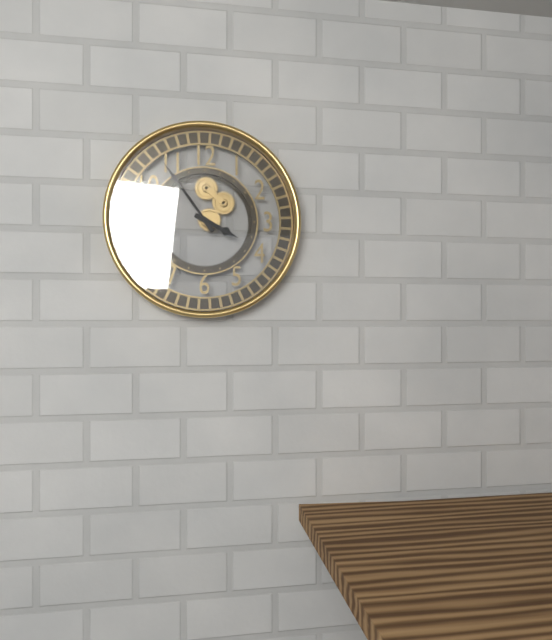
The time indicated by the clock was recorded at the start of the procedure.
3:54
